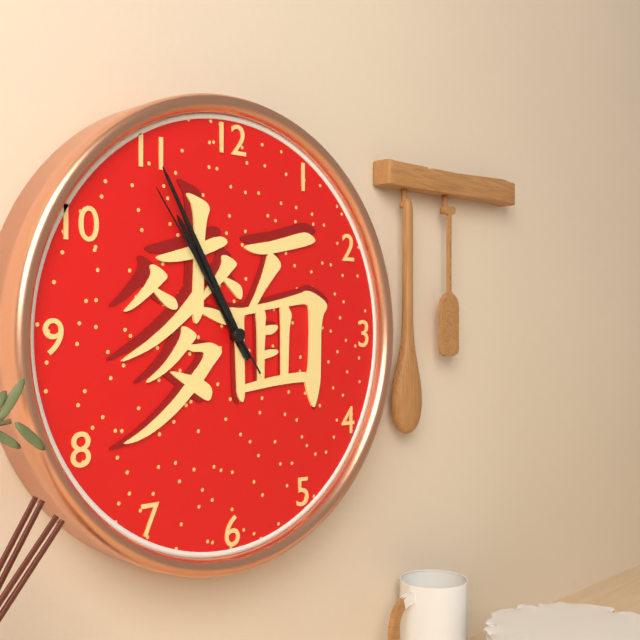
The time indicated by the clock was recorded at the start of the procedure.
10:55:54
